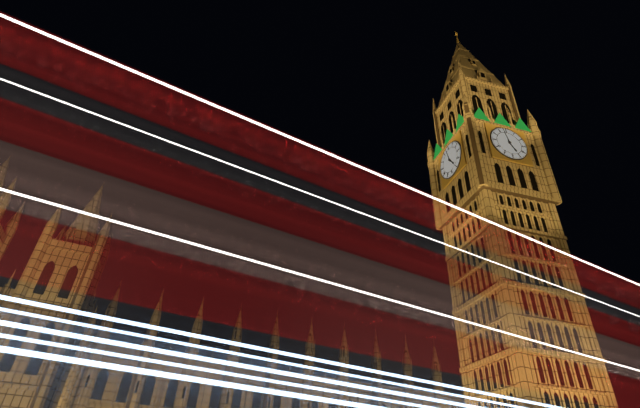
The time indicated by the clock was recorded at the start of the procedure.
4:58
